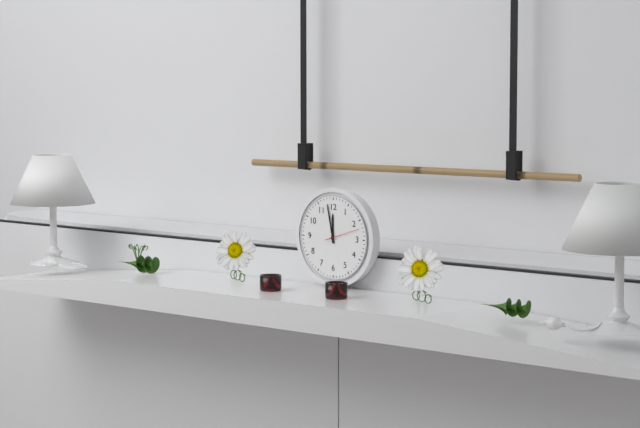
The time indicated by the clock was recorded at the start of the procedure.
11:58
